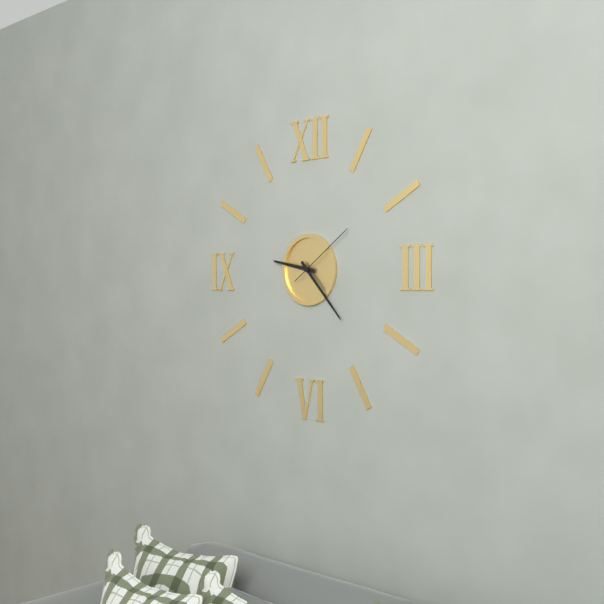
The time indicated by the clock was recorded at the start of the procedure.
9:23:09
